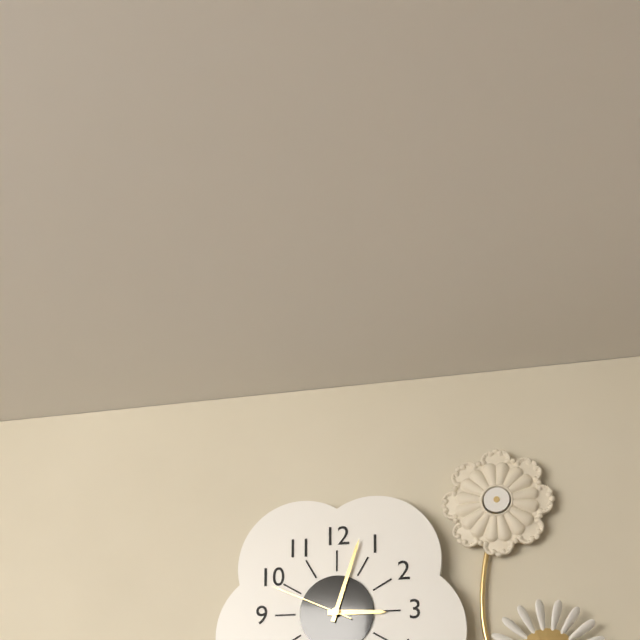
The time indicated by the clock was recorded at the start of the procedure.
3:03:49
